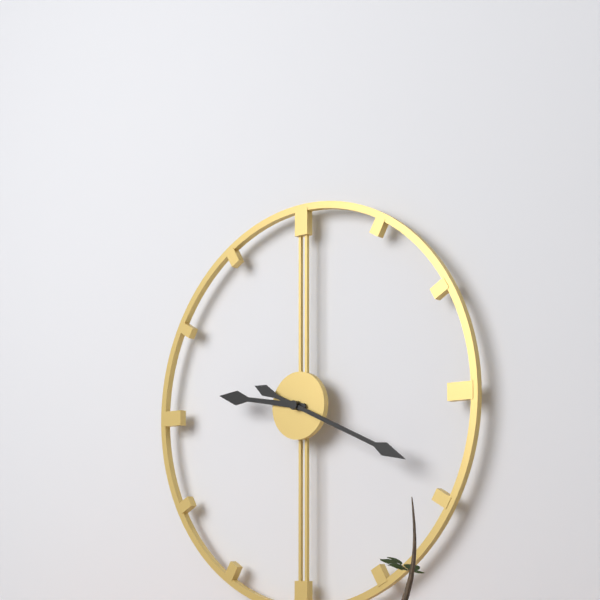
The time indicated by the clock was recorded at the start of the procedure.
9:19
